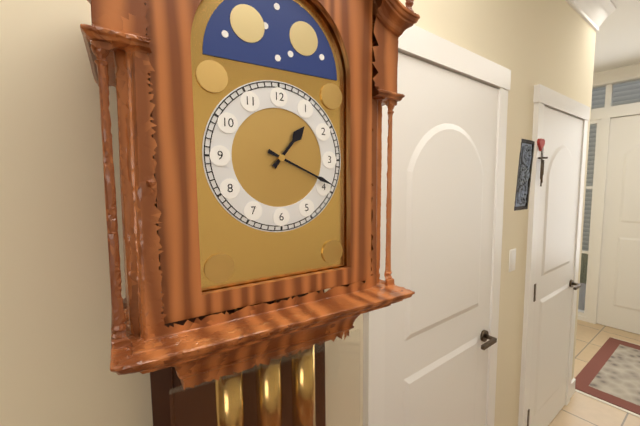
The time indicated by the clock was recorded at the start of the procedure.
1:19
